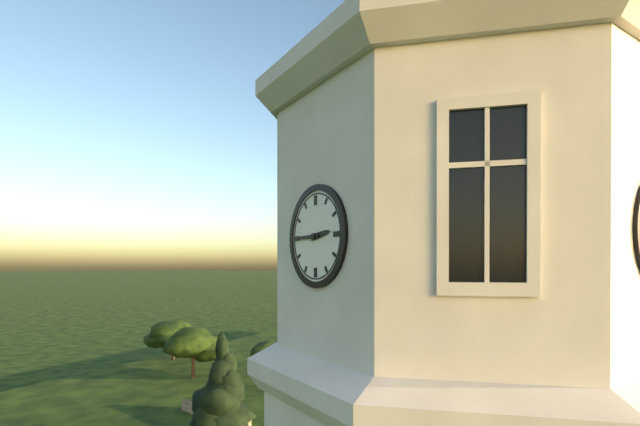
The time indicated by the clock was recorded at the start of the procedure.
2:45
